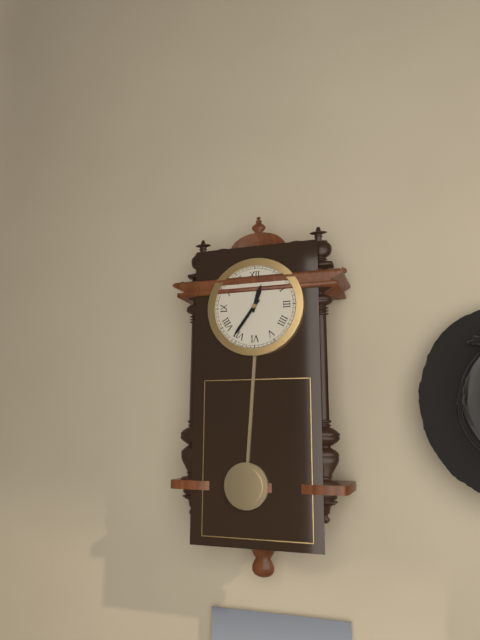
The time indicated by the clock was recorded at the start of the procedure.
12:36
